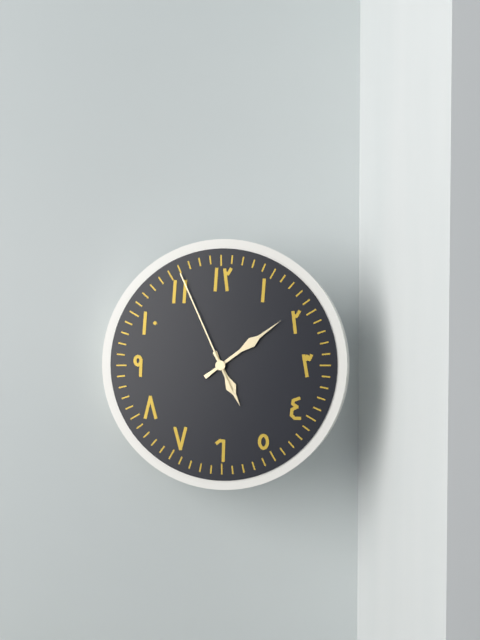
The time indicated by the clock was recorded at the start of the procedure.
5:09:56
